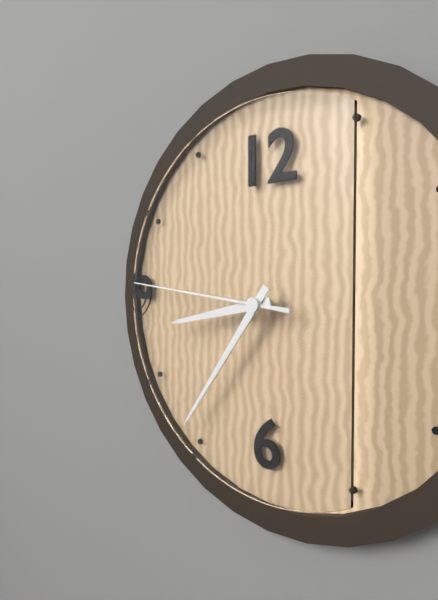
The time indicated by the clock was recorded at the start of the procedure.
8:36:46
